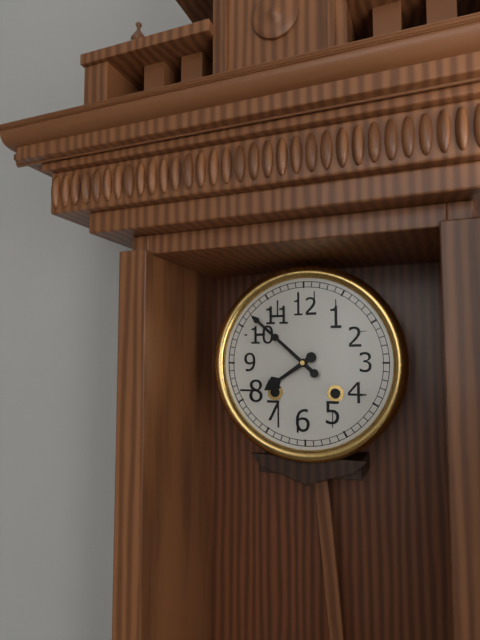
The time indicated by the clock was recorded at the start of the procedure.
7:52
